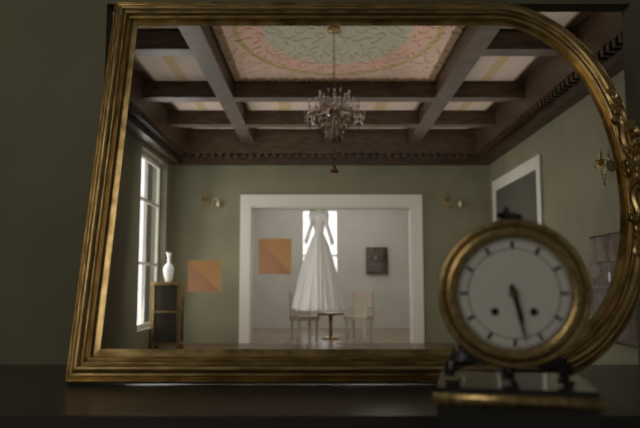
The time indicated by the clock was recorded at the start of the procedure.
5:28
